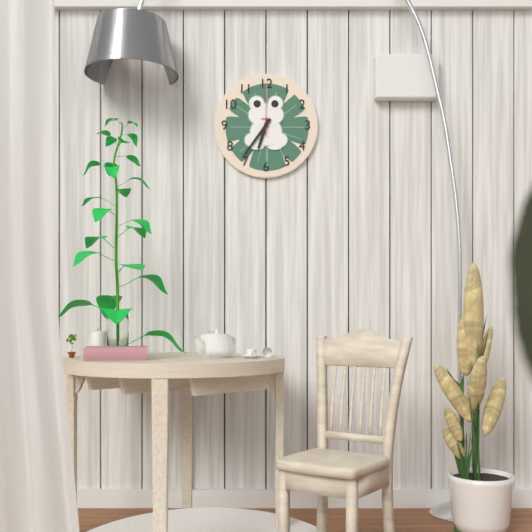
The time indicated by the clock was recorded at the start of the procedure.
6:36:00
